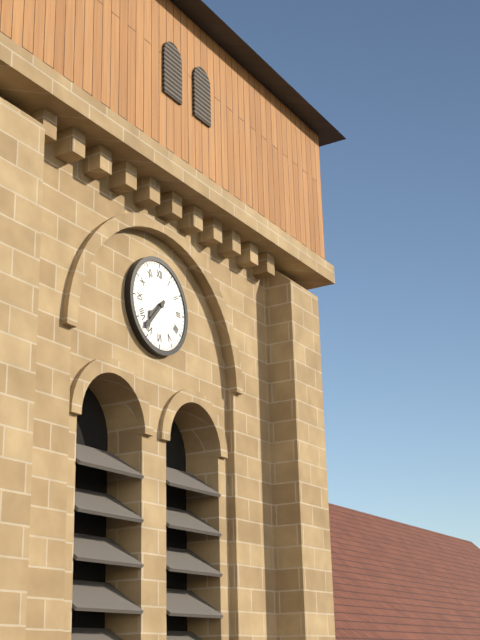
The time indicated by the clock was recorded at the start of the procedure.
7:37
